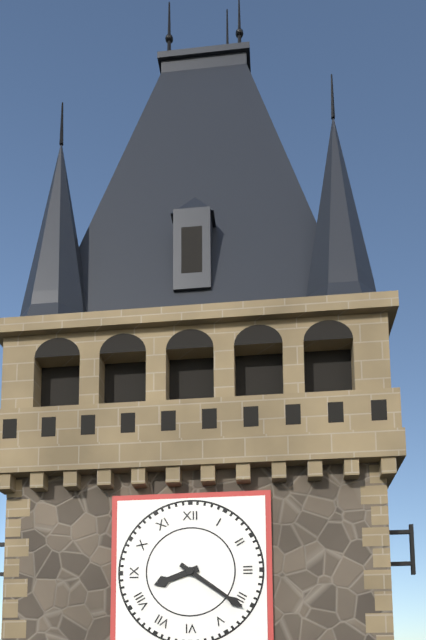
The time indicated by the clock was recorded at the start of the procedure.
8:21
